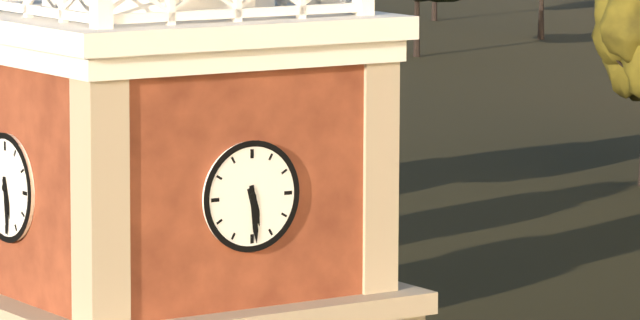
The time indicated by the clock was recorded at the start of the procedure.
5:29
